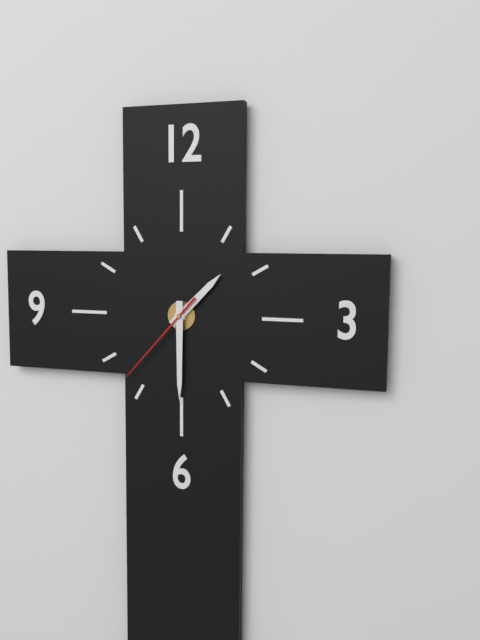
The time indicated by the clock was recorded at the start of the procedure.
1:30:37
